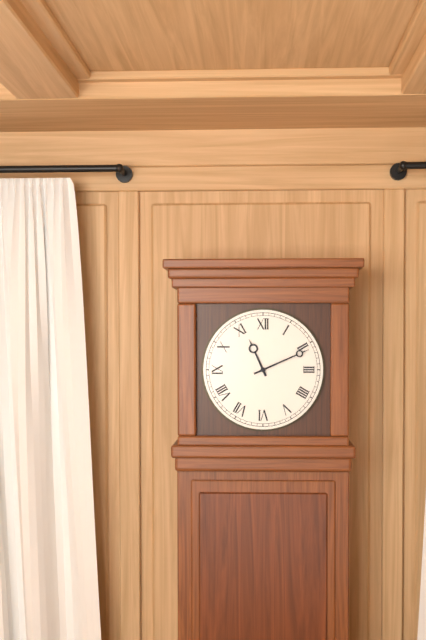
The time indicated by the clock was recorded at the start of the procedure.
11:11
